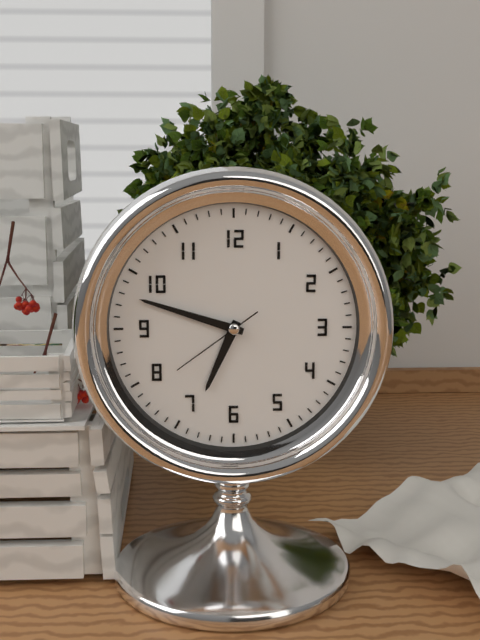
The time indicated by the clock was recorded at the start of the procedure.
6:48:39
